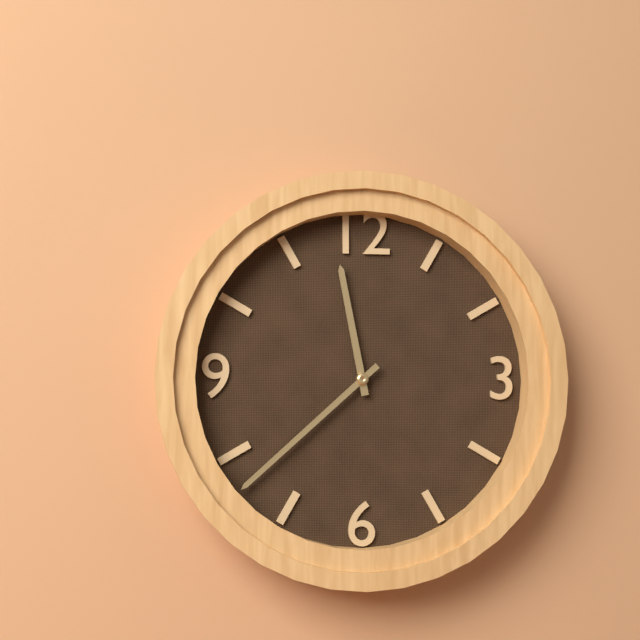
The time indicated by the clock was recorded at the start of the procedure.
11:38
